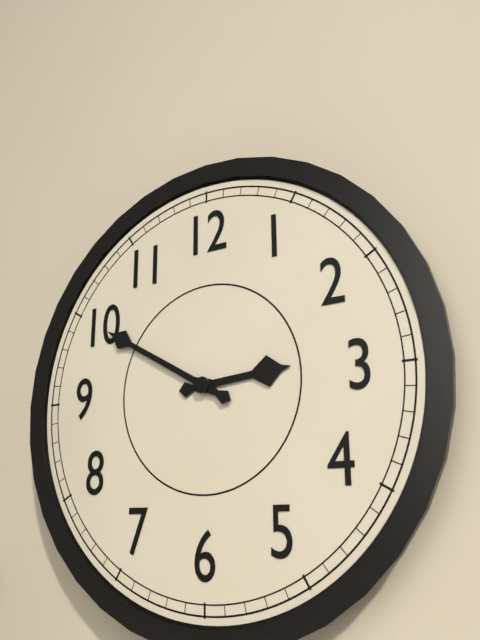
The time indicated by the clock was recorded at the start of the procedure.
2:50
